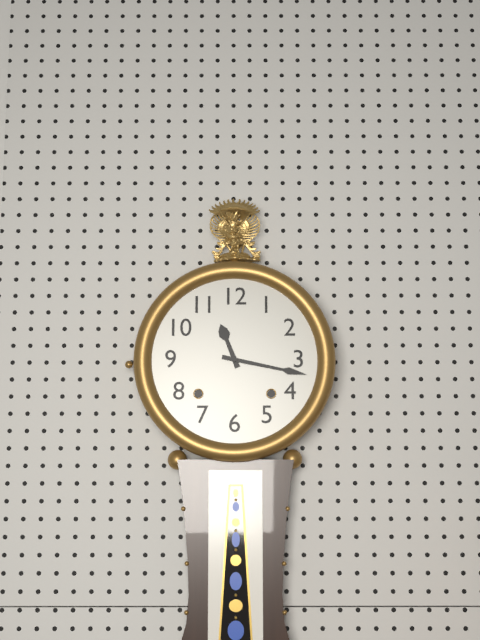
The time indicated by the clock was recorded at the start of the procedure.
11:17
